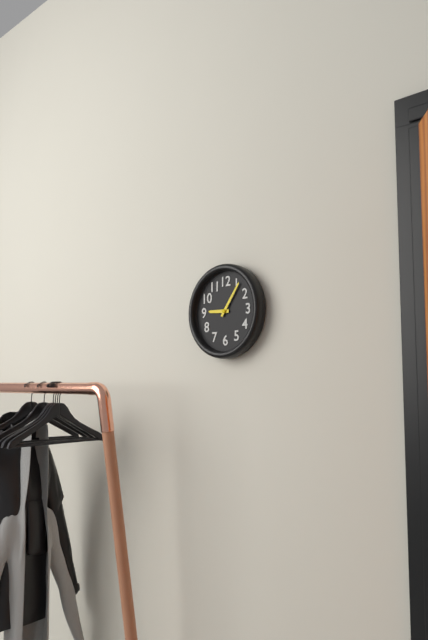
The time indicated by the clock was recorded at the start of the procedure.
9:06
